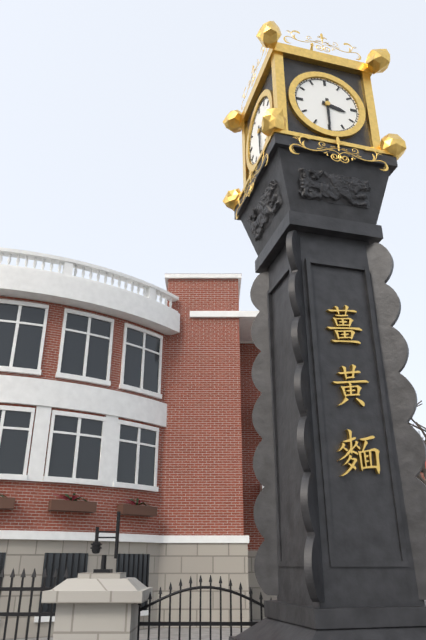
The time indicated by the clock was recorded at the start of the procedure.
3:30
